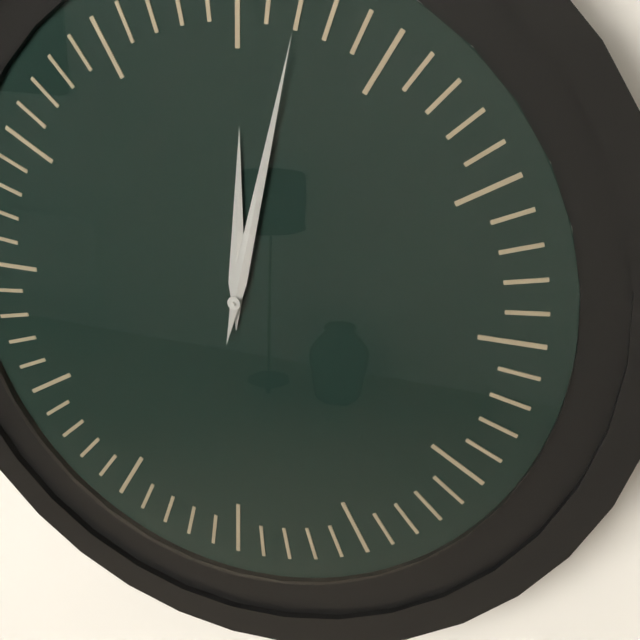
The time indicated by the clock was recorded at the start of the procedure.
12:02
